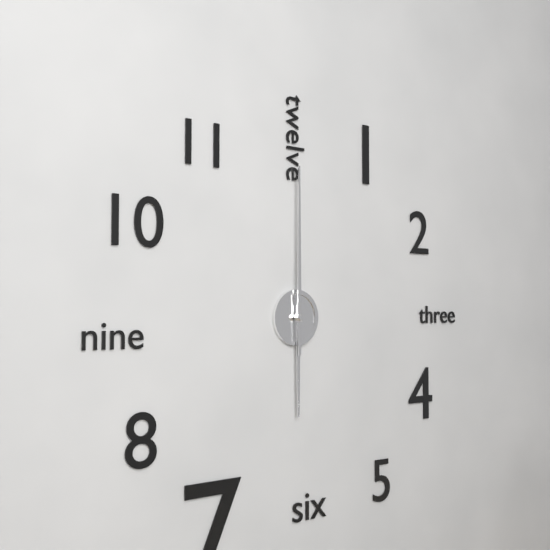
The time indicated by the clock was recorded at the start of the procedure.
6:00
